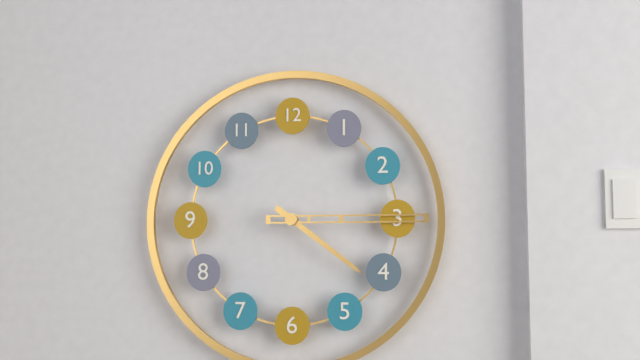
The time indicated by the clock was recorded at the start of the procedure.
4:15
